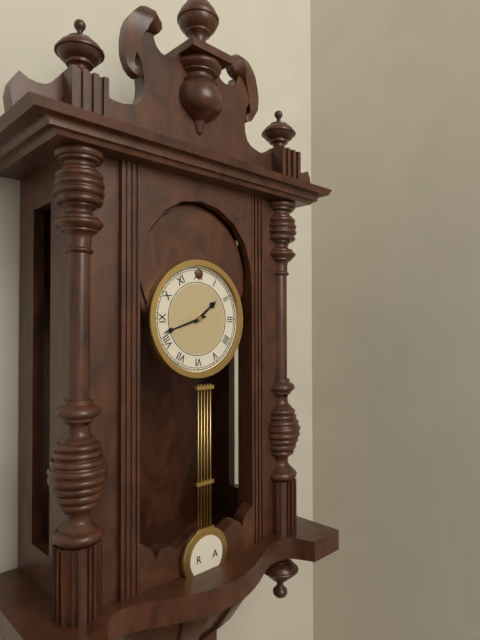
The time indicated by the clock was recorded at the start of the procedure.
1:42
